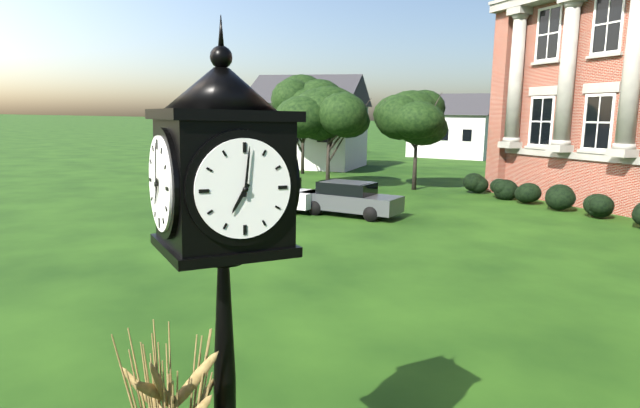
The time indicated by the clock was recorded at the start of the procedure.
7:01
